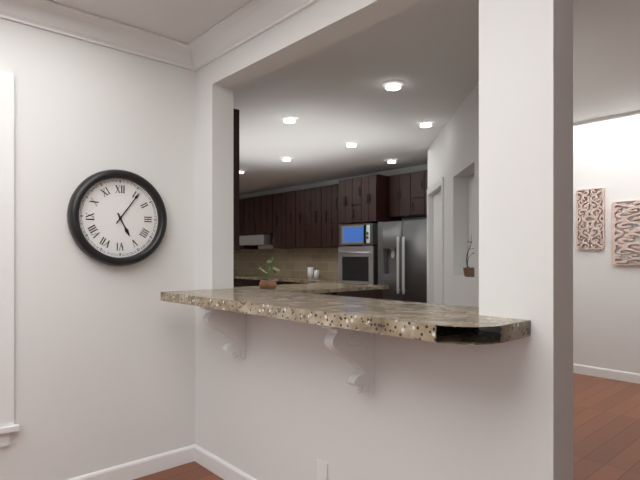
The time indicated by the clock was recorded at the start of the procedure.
5:06
